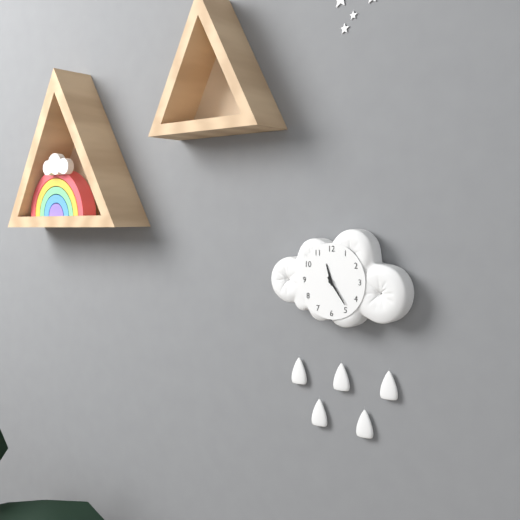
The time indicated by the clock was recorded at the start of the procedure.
11:24
